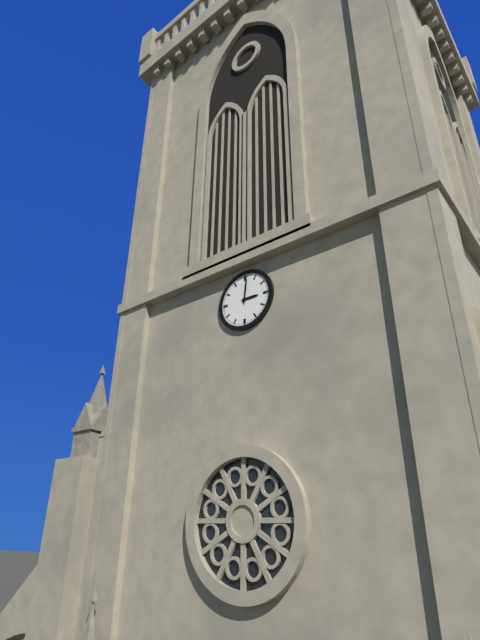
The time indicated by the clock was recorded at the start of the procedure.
3:01
